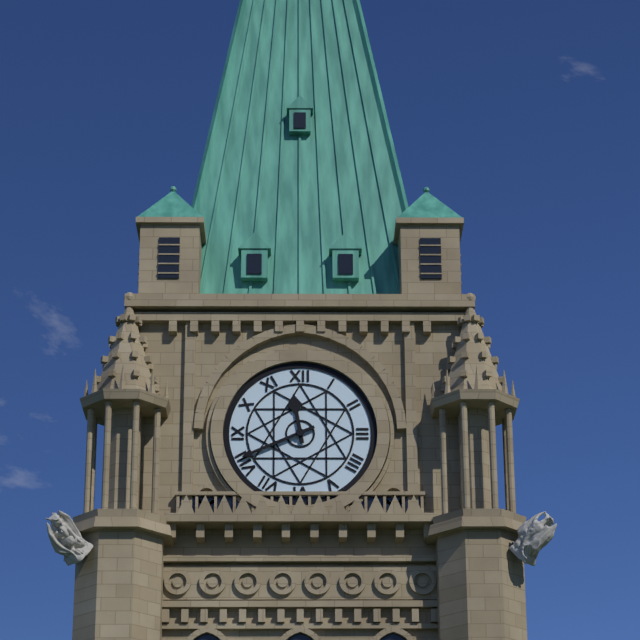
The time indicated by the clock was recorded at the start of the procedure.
11:41
